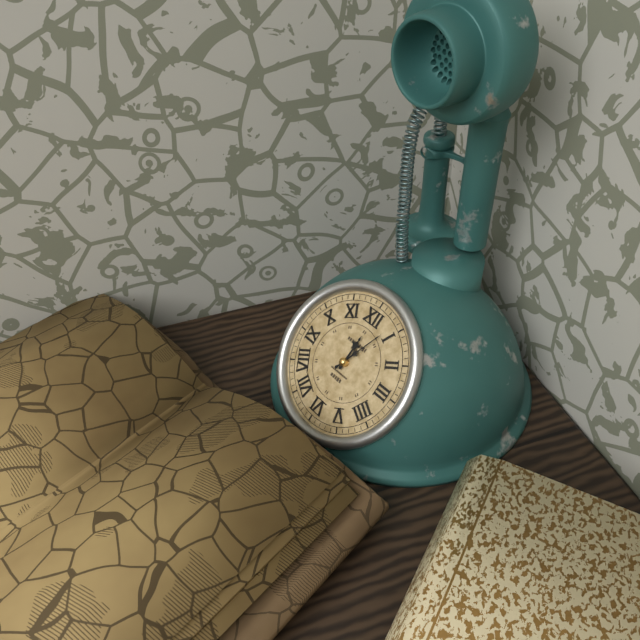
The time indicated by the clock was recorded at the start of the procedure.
12:04
